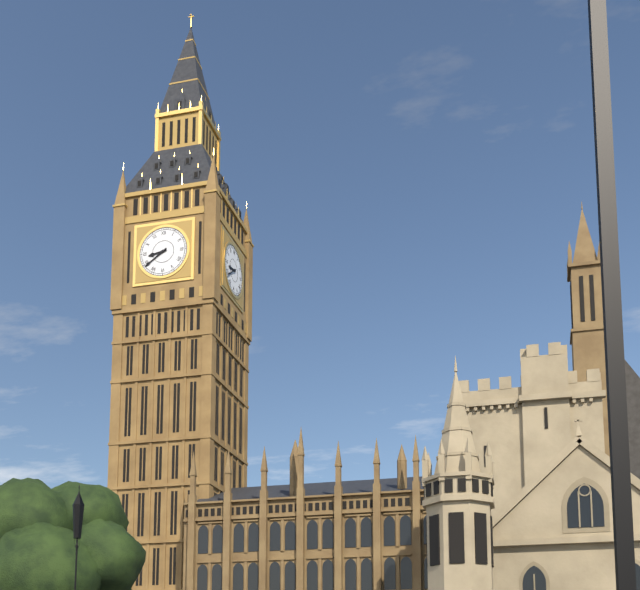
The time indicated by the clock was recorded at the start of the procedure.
8:39
